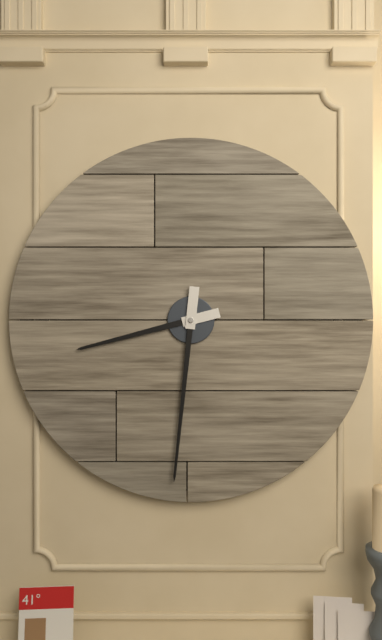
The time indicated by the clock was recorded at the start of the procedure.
8:31
